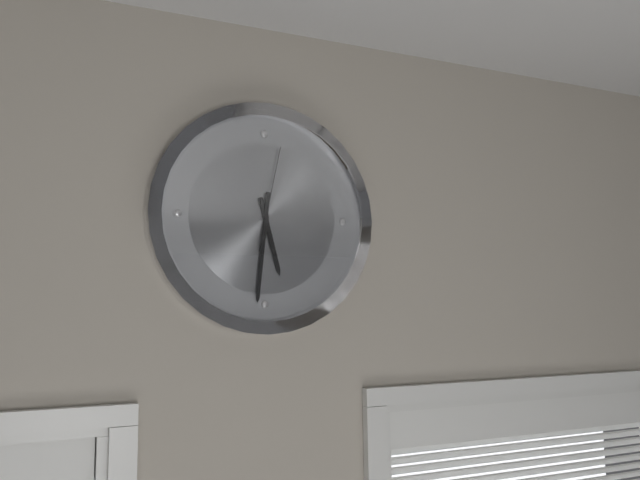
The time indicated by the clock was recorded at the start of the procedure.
5:31:02
